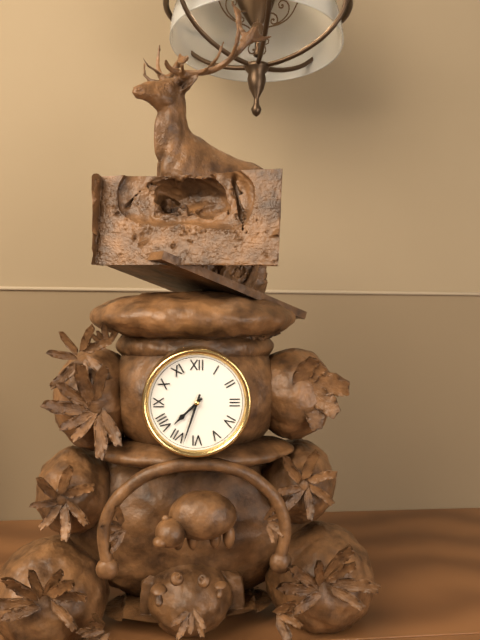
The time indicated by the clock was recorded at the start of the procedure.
7:33
